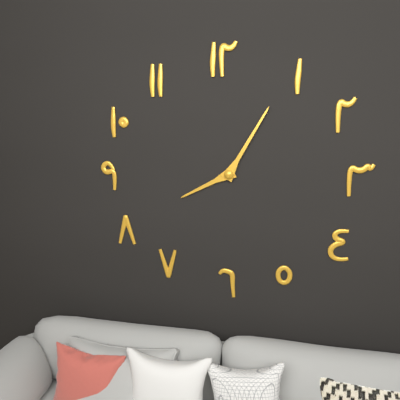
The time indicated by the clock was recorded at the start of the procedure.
8:05
